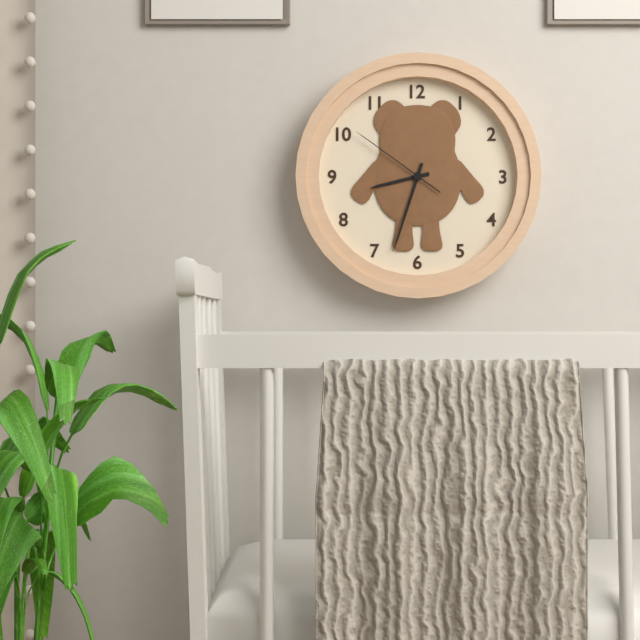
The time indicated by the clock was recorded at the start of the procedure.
8:33:51
